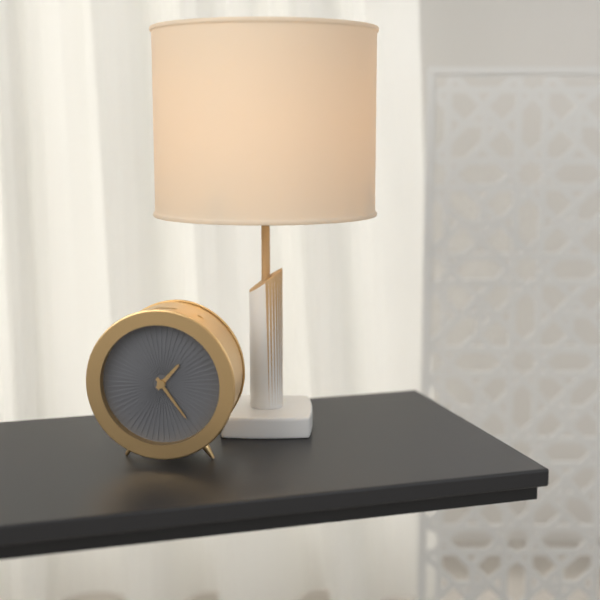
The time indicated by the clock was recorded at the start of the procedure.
1:24
